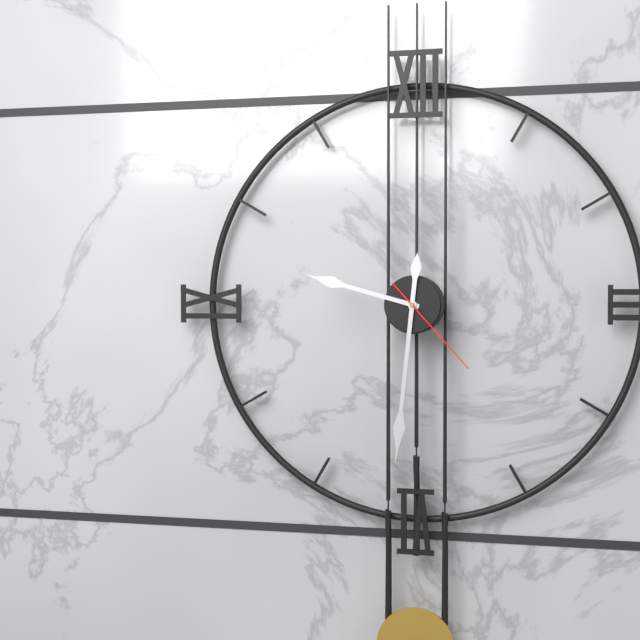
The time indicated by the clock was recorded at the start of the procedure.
9:31:23
